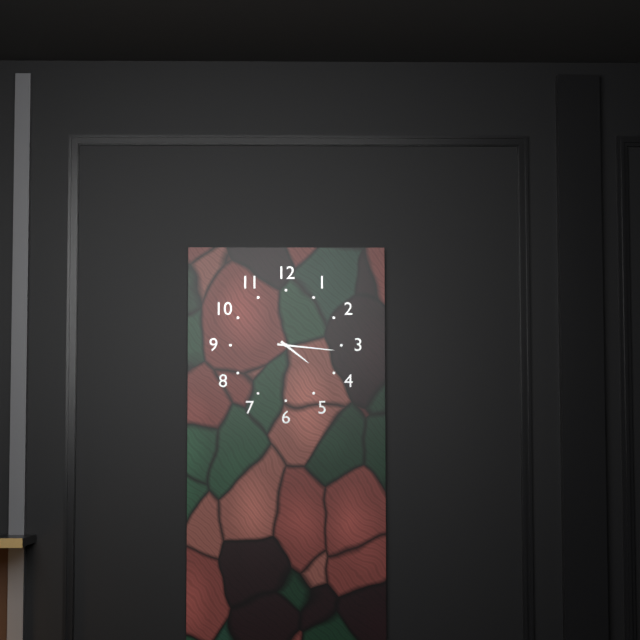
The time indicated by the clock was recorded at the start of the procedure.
4:16
